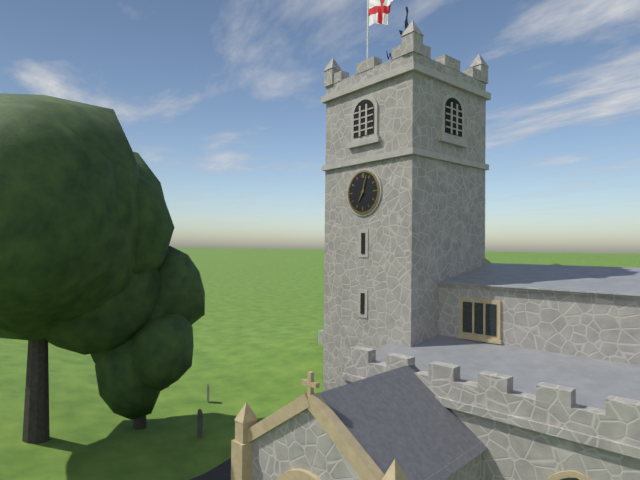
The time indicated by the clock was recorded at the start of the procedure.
7:03
